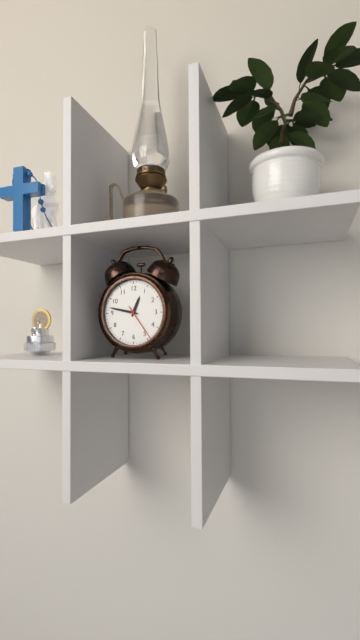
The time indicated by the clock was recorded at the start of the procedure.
12:47
